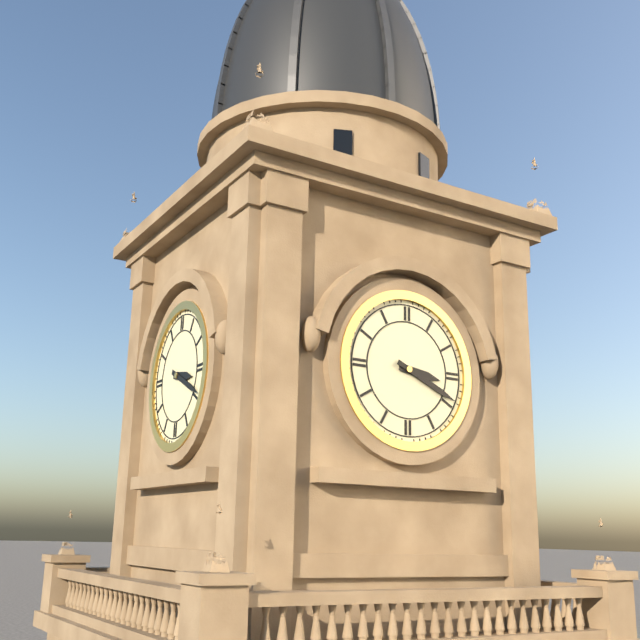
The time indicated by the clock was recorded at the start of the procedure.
3:19
